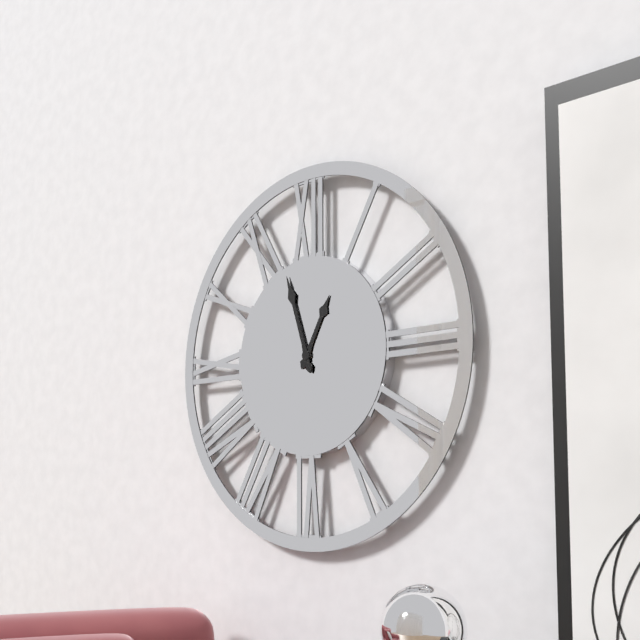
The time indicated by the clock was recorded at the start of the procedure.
12:57
